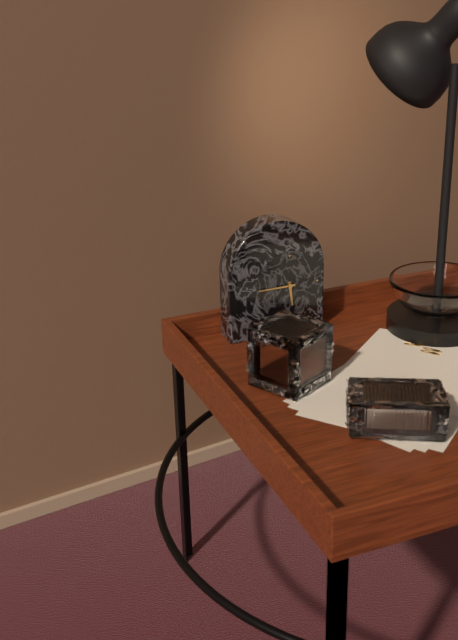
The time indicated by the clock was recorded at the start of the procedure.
5:45
